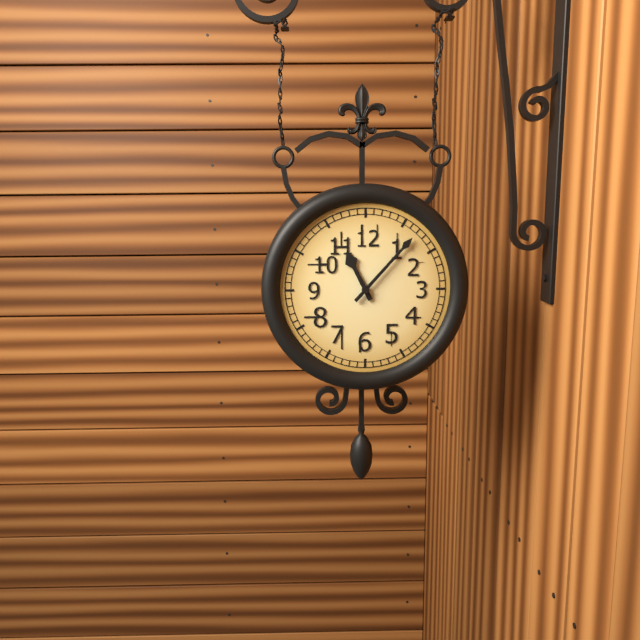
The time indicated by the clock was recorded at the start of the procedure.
11:07
